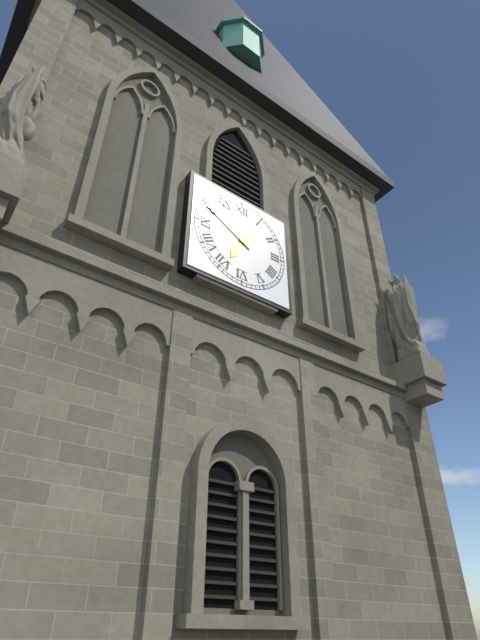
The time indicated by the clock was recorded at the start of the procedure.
6:50
